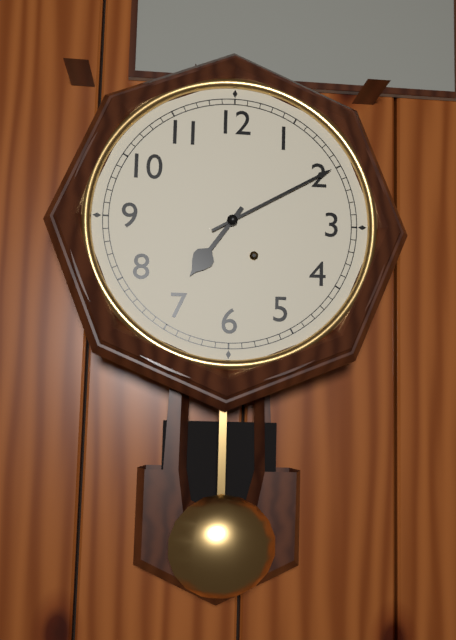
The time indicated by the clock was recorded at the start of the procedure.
7:10
